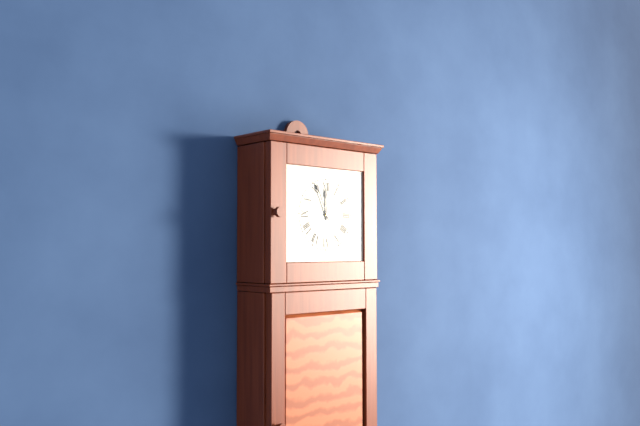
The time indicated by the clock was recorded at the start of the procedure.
11:56
